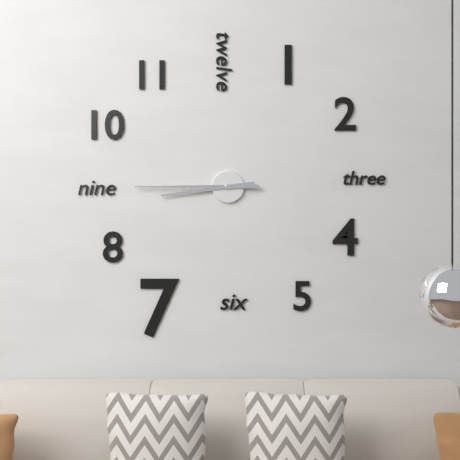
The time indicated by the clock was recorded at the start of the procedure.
8:45
